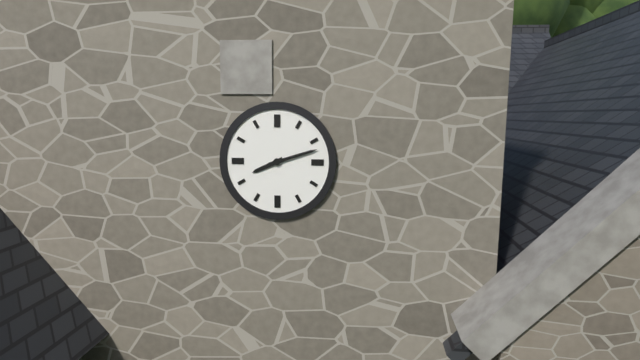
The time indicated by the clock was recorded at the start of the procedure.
8:12
